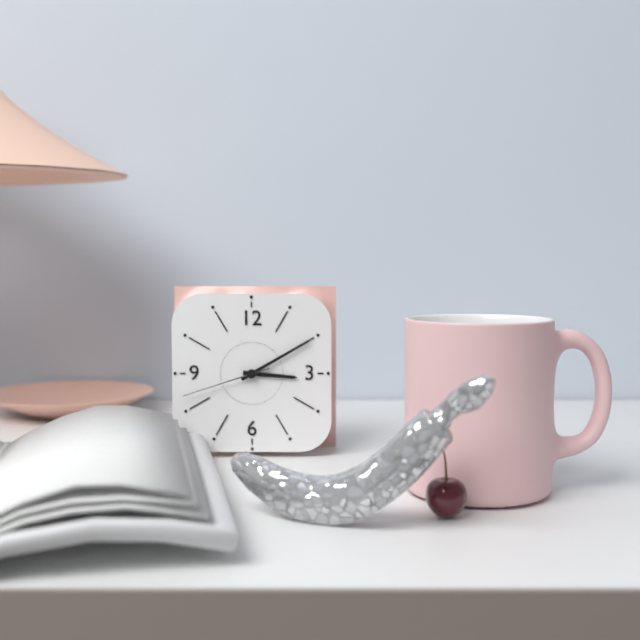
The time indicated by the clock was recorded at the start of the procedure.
3:10:42
